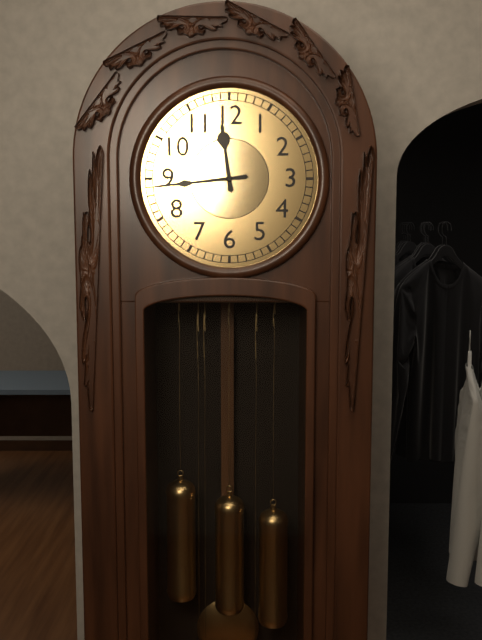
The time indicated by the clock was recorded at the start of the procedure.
11:44
